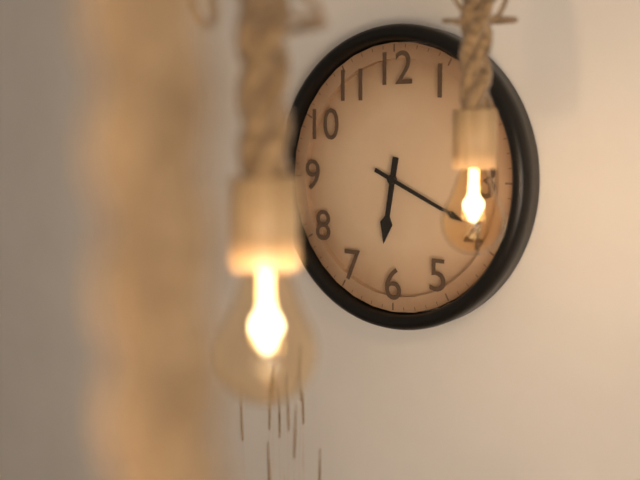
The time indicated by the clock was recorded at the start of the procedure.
6:19
